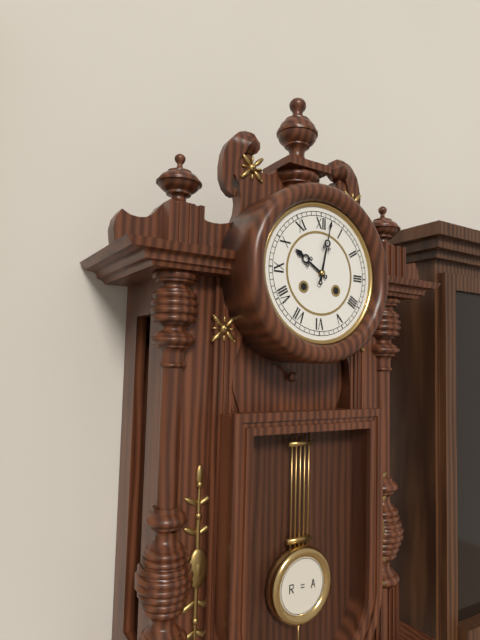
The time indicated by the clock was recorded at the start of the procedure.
10:02
